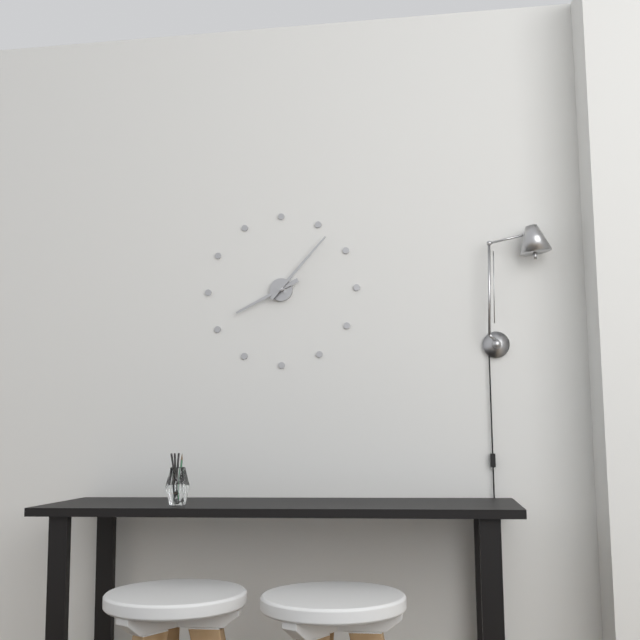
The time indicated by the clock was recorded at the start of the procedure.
8:07
